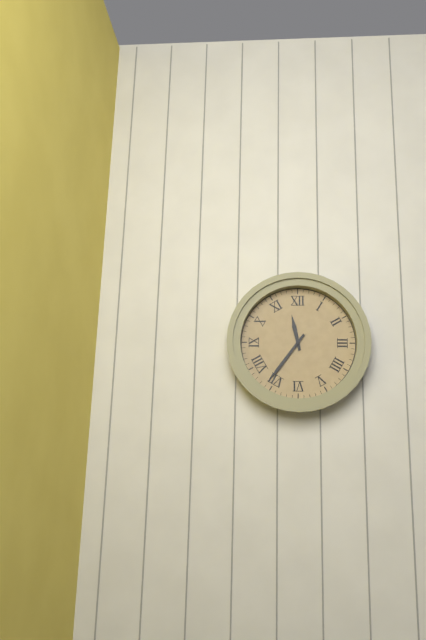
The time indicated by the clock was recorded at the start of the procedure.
11:36
